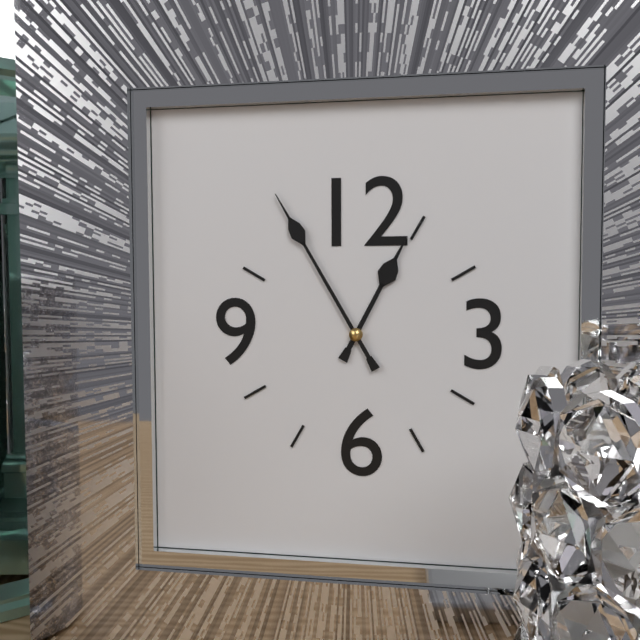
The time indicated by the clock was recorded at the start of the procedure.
12:55
